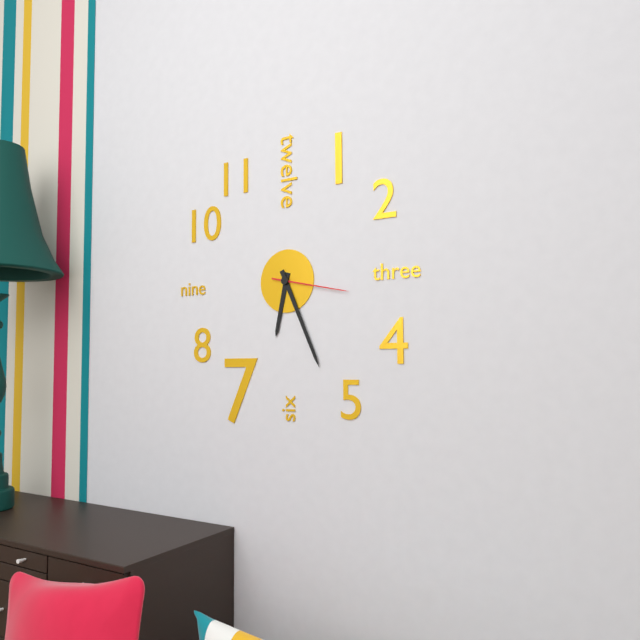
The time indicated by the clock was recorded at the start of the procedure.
6:26:17
